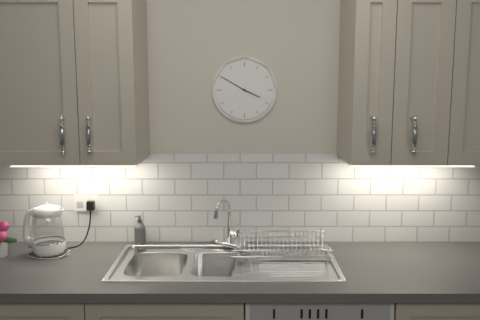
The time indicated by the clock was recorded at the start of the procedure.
3:50
